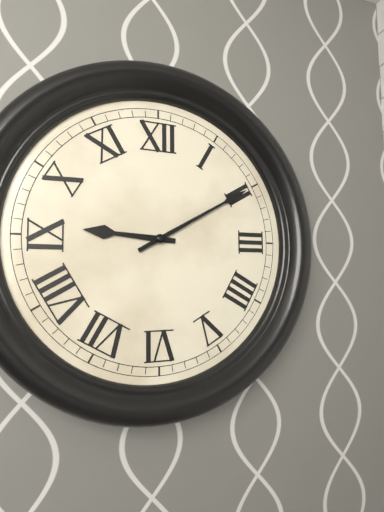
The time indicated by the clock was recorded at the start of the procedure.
9:10
